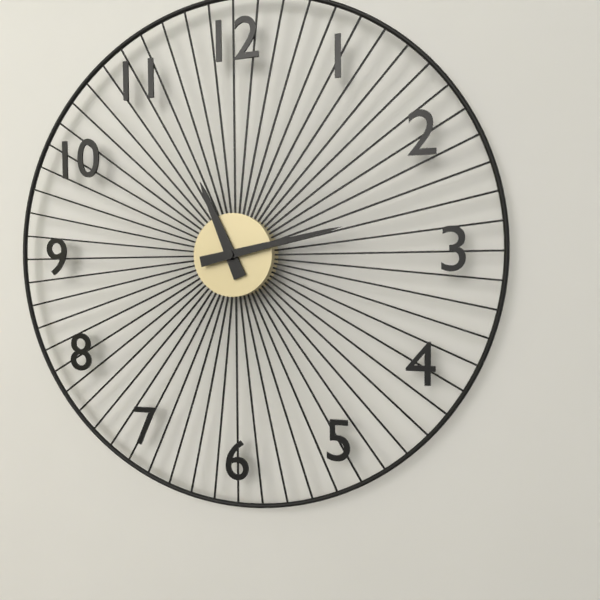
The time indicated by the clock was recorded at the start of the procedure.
11:13
